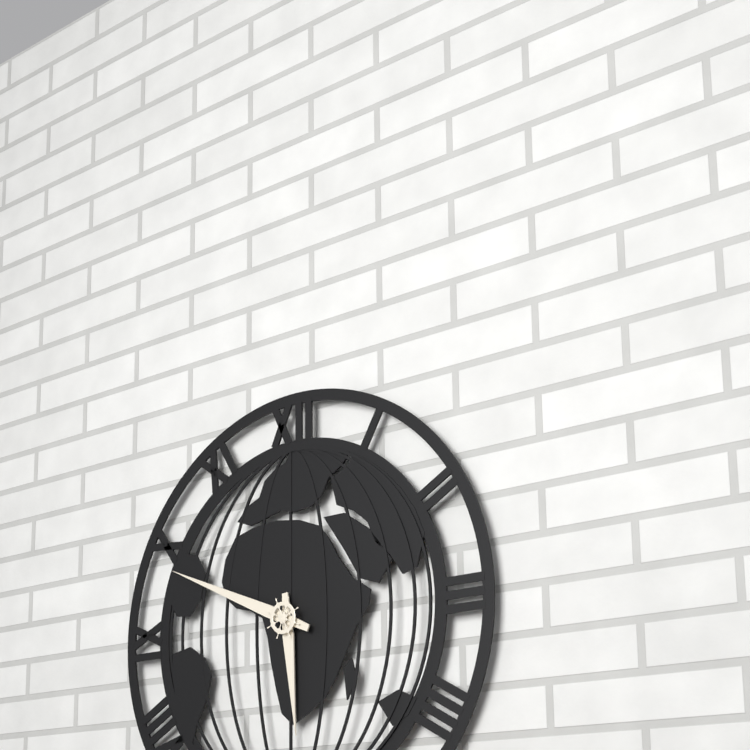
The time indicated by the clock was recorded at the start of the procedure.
5:49
